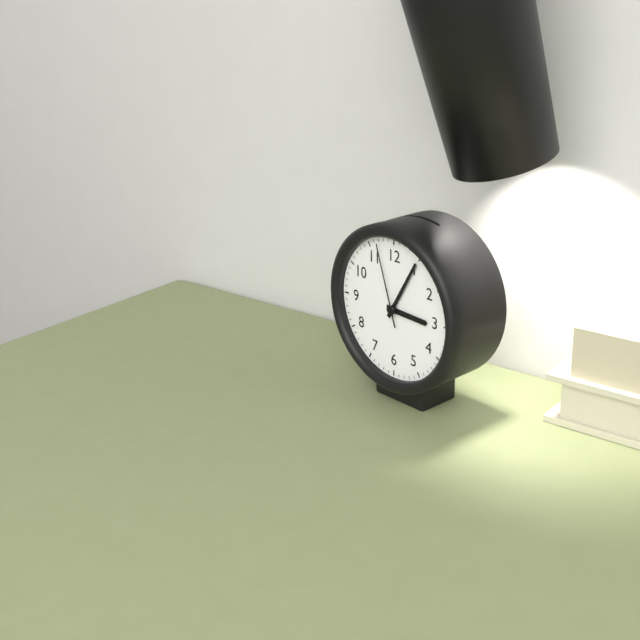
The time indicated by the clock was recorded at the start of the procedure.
3:05:57
